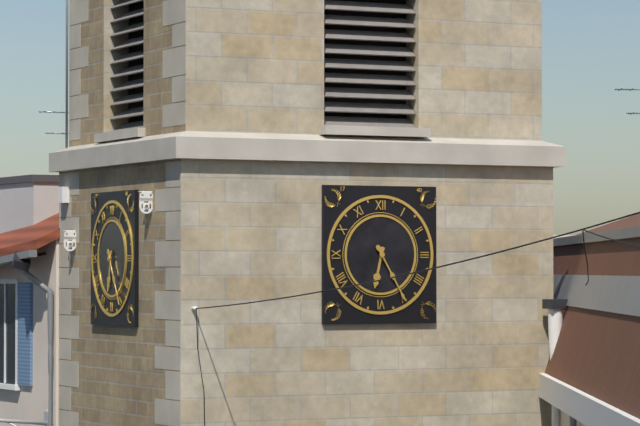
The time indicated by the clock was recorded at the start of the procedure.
6:25
